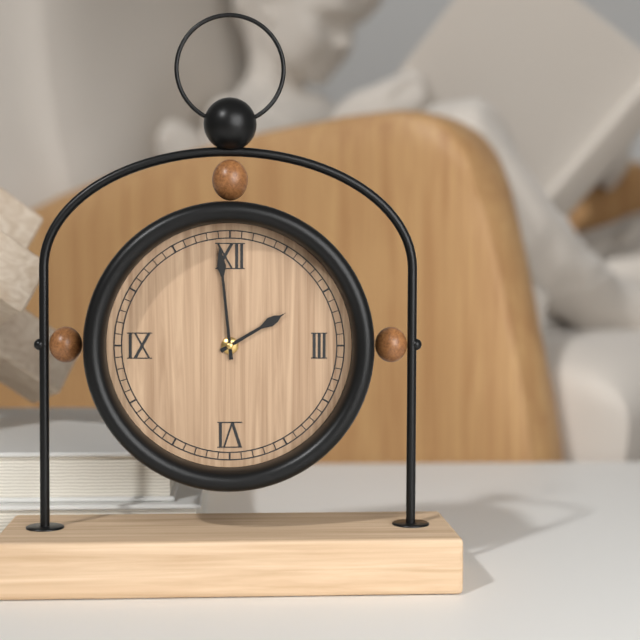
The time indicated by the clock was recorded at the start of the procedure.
1:59
